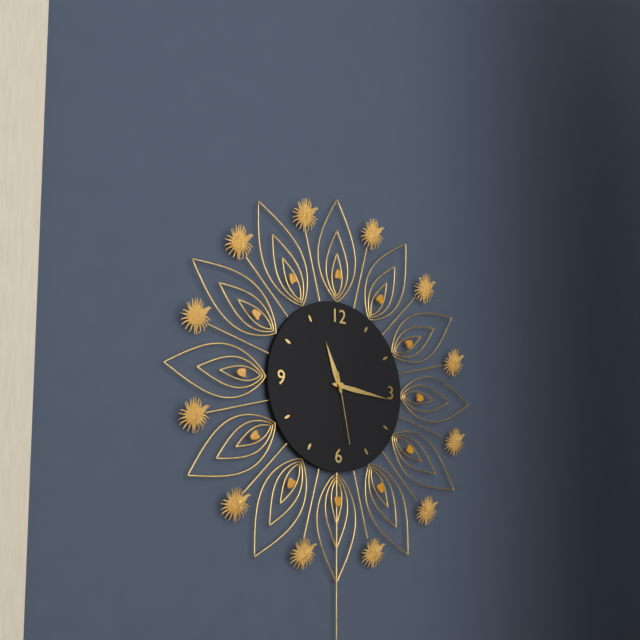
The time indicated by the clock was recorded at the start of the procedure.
11:16:28
